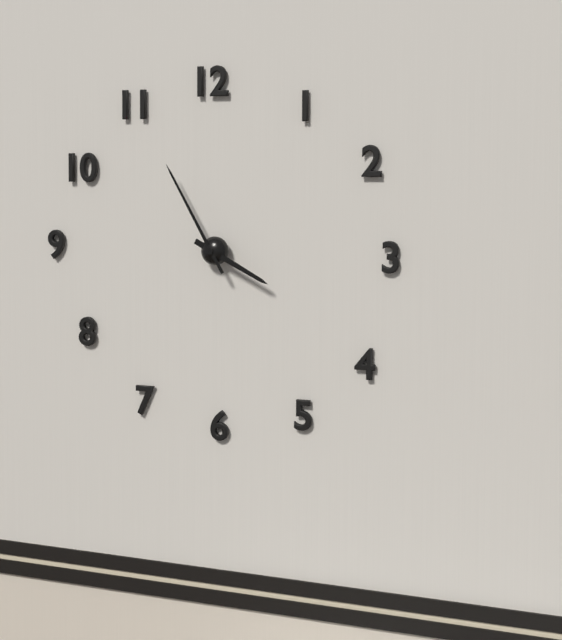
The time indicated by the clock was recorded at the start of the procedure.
3:55
